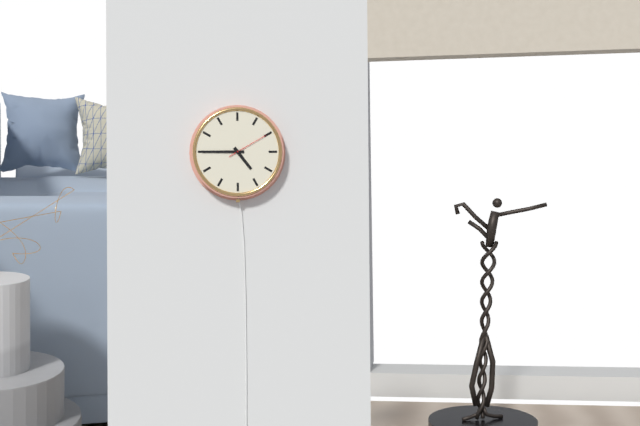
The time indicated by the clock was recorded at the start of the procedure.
4:45
